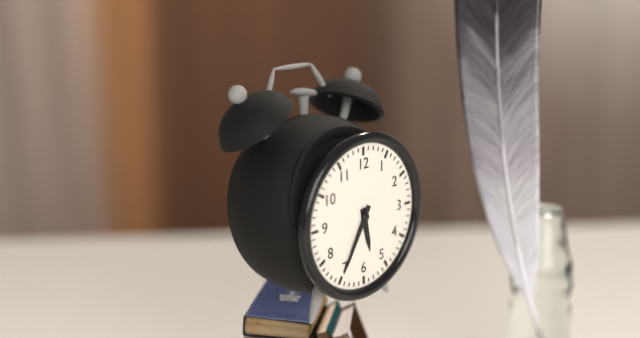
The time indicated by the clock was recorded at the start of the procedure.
5:35
